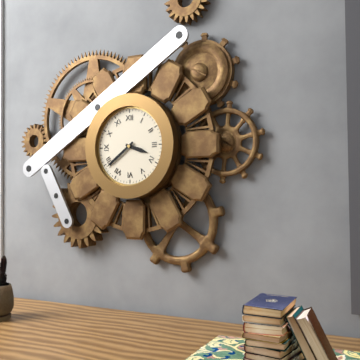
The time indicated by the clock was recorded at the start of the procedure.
3:39
